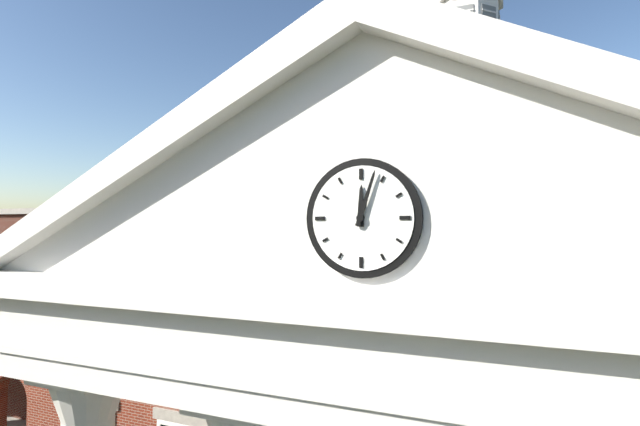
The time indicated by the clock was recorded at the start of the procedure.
12:03
